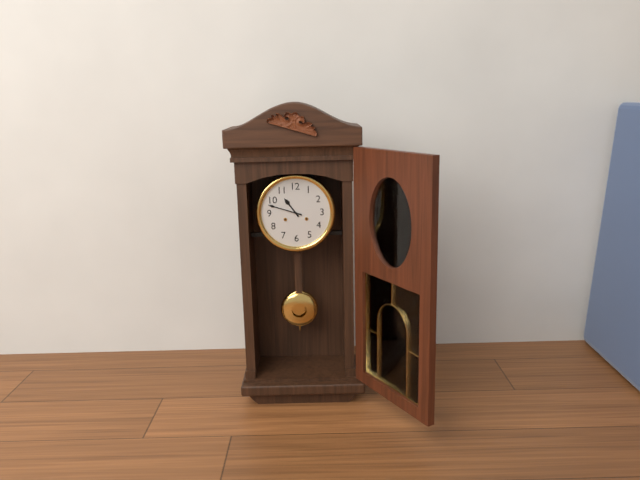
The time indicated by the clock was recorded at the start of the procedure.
10:48
